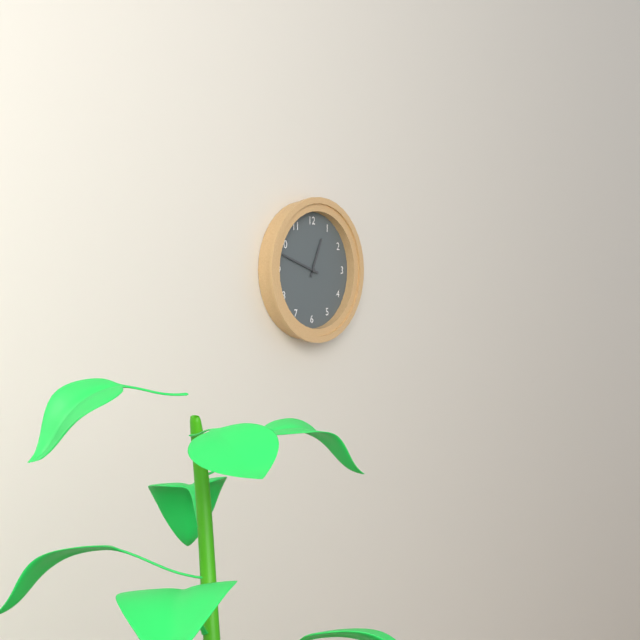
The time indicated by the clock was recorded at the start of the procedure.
12:48
